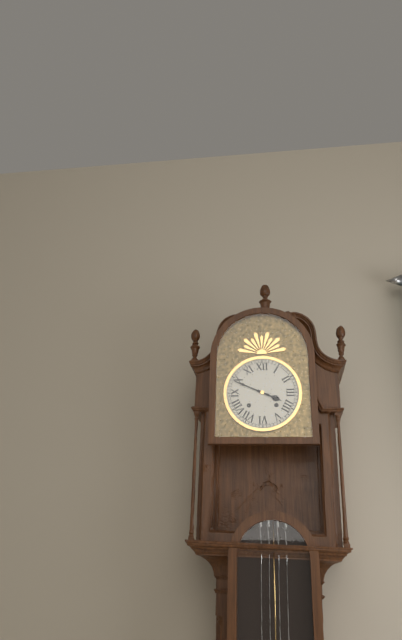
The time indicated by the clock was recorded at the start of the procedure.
3:49
